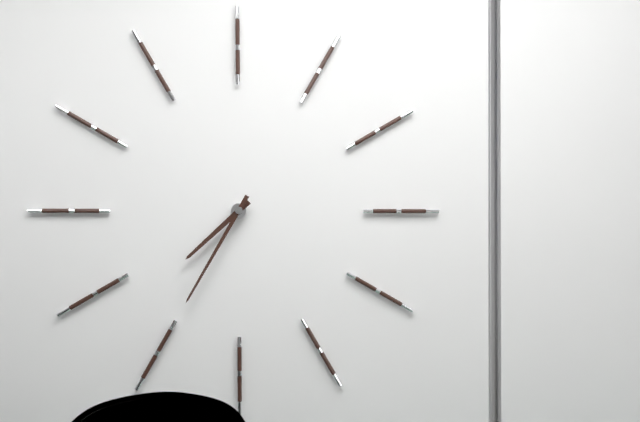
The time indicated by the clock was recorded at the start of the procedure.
7:35
